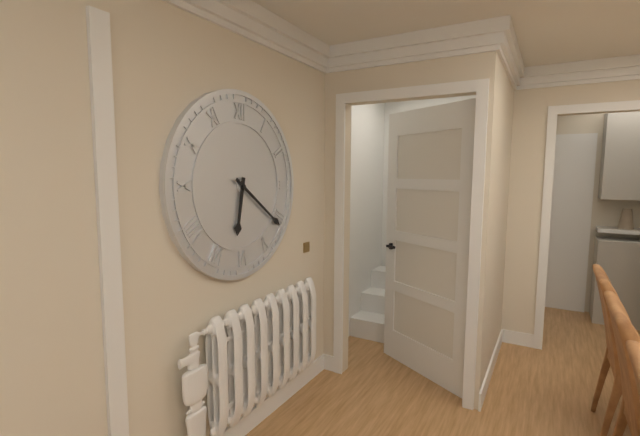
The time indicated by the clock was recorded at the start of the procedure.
6:21
